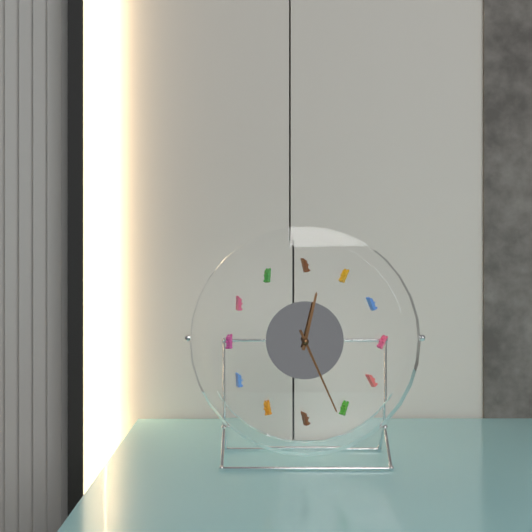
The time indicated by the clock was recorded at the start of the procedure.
12:26
